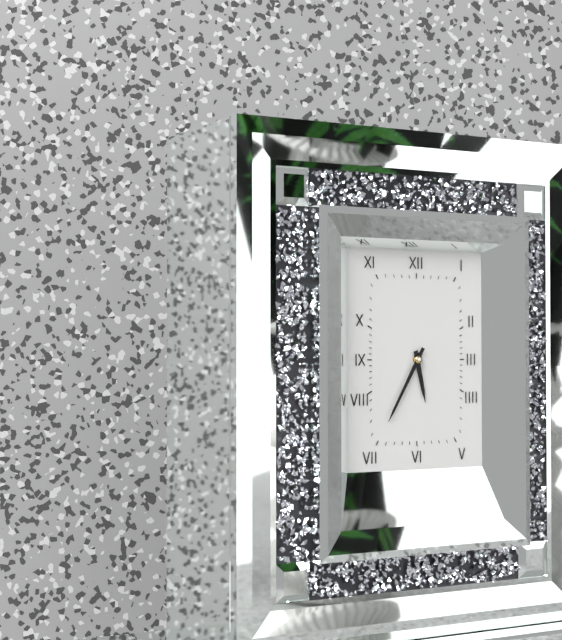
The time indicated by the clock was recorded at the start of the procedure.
5:35
